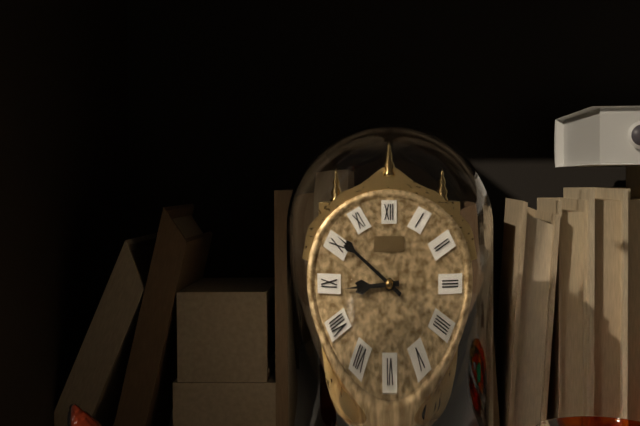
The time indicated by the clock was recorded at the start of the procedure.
8:51
